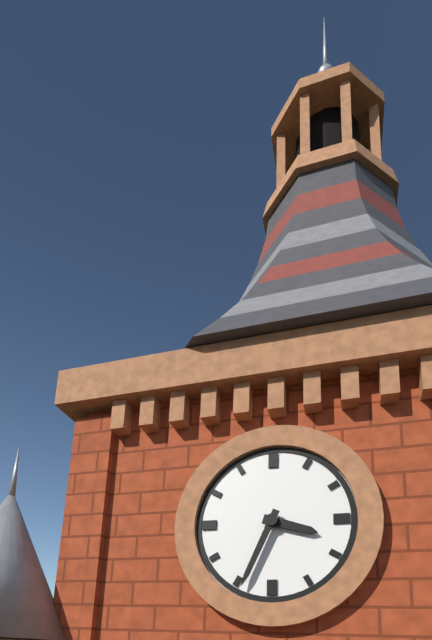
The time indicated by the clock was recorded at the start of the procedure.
3:34
